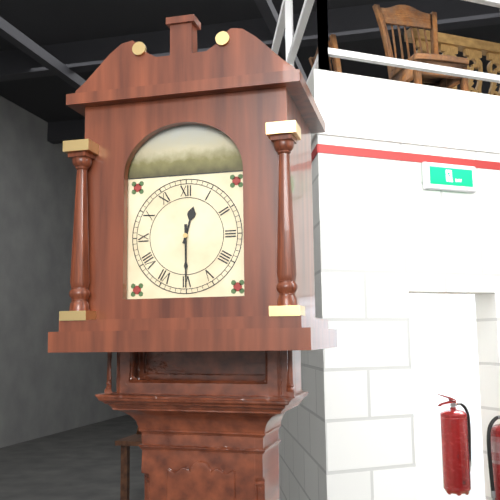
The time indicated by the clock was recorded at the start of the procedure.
12:30
